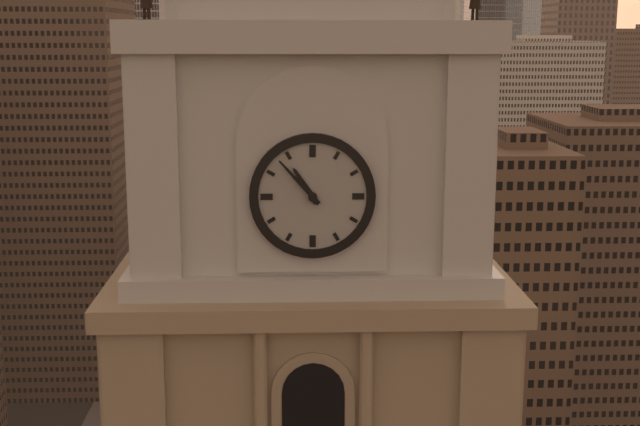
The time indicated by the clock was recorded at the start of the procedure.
10:53
